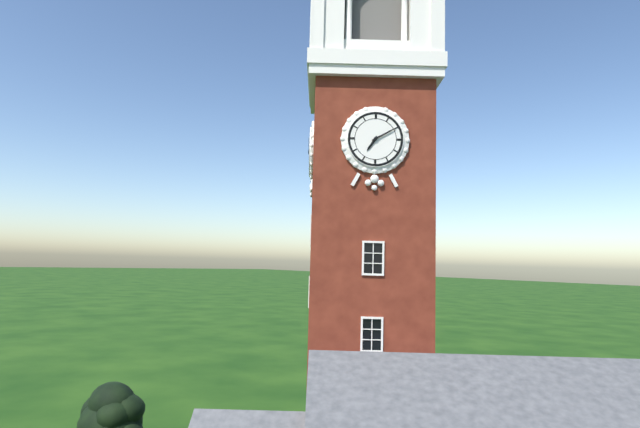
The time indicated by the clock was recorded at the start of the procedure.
7:10
